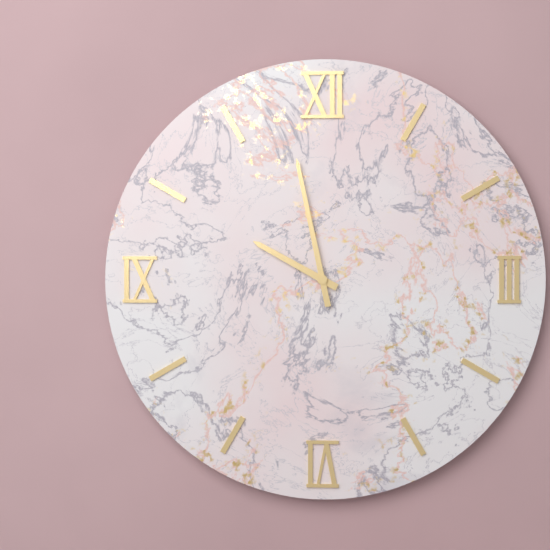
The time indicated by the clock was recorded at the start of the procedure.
9:58
